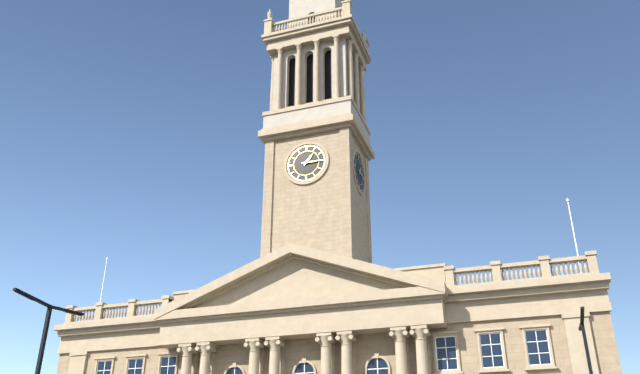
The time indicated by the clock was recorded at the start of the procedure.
1:15
